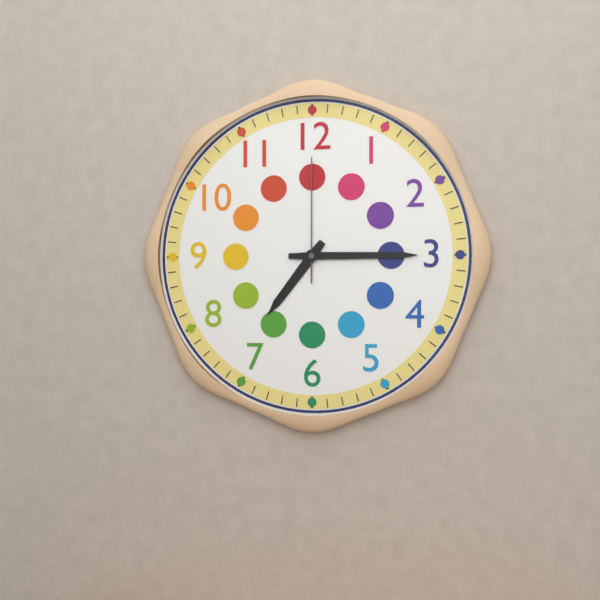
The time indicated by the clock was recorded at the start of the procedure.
7:15:00
